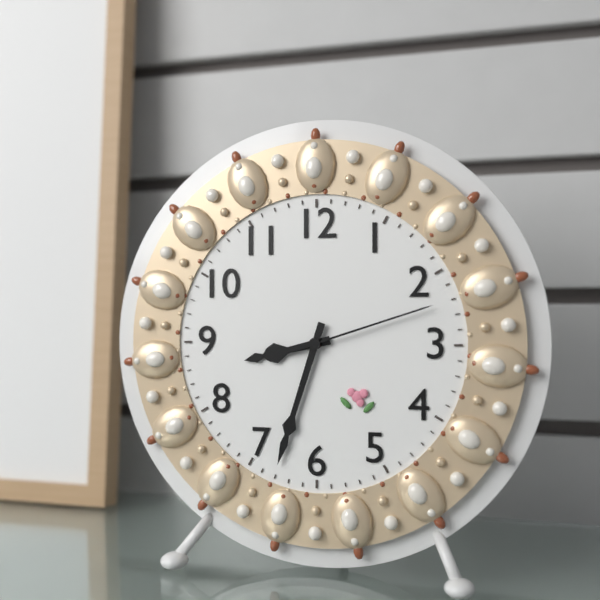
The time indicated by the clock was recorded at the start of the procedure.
8:33:12
